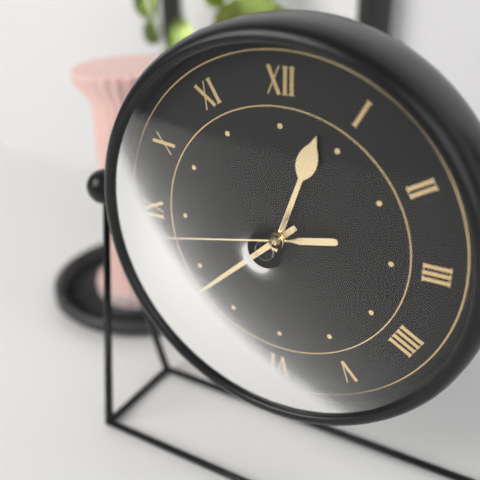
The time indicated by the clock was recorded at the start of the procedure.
12:38:43
